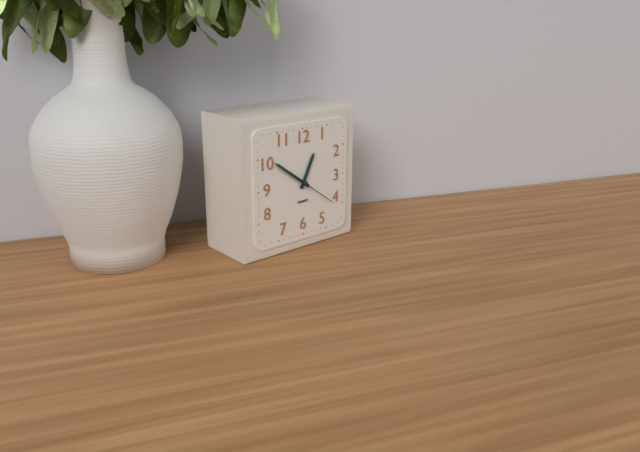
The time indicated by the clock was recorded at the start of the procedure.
12:51
